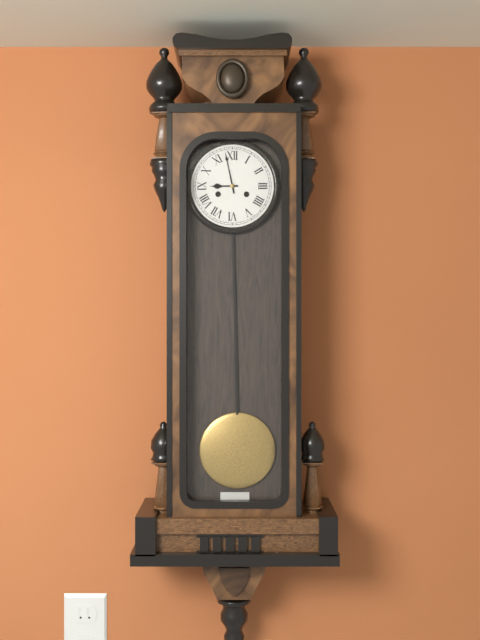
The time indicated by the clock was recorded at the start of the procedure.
8:58
